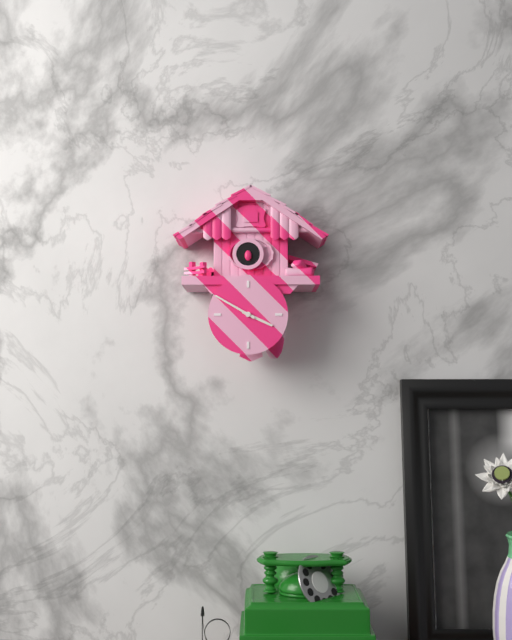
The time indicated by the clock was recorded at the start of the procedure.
3:50
